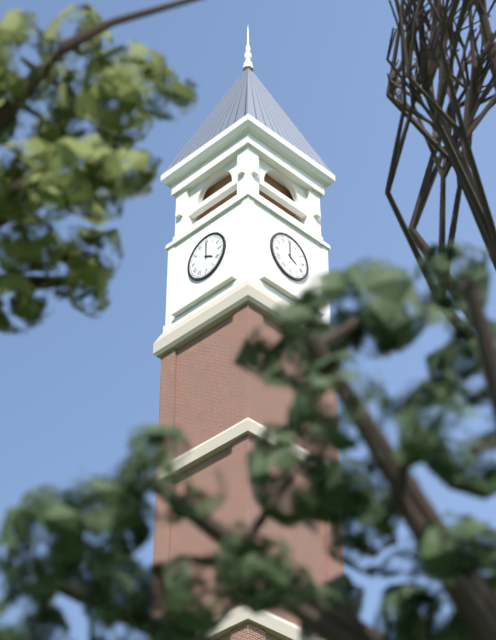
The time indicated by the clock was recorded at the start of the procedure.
4:00
